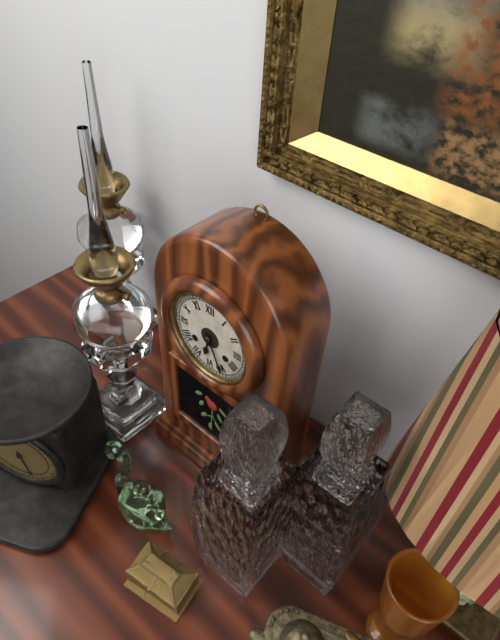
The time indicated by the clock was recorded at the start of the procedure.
6:26
